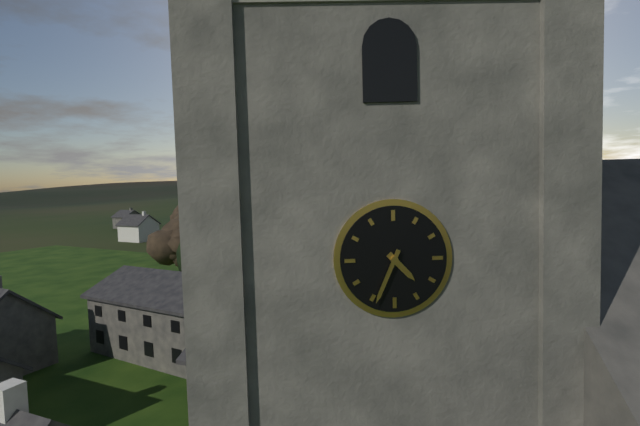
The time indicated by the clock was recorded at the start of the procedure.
4:34
